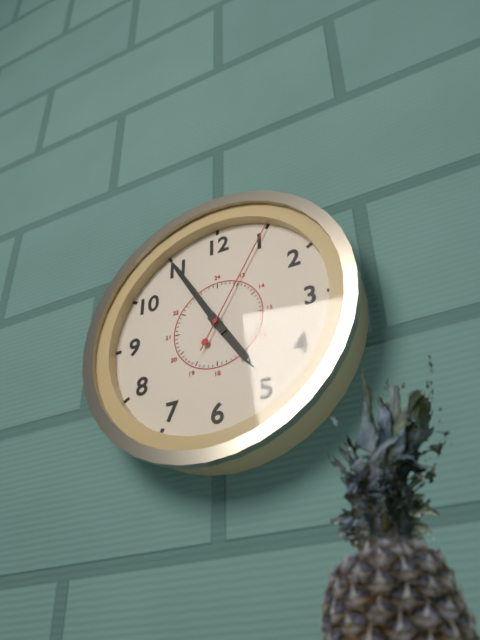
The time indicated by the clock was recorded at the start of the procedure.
4:55:05
